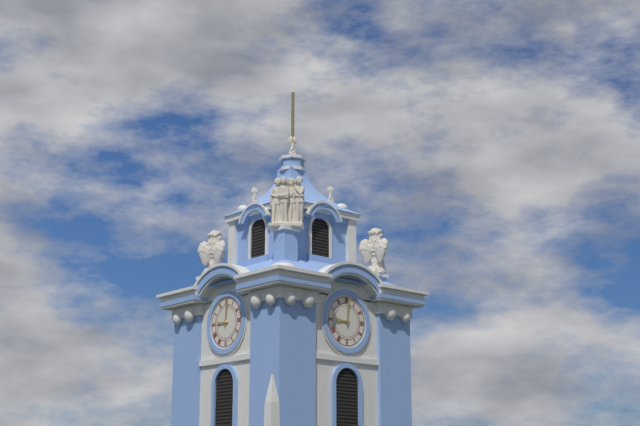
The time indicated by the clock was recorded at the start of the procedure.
9:01
